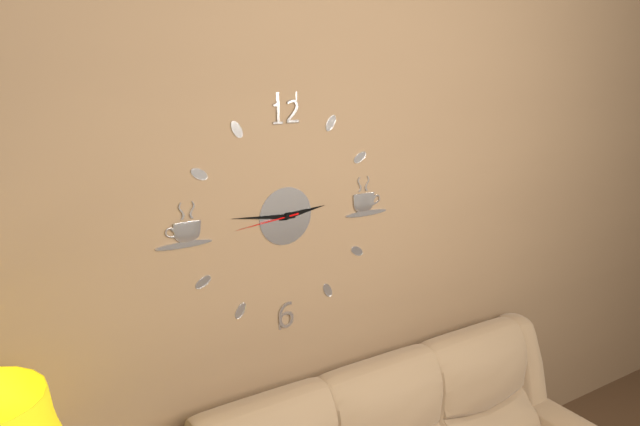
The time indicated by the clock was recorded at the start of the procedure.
2:46:44
